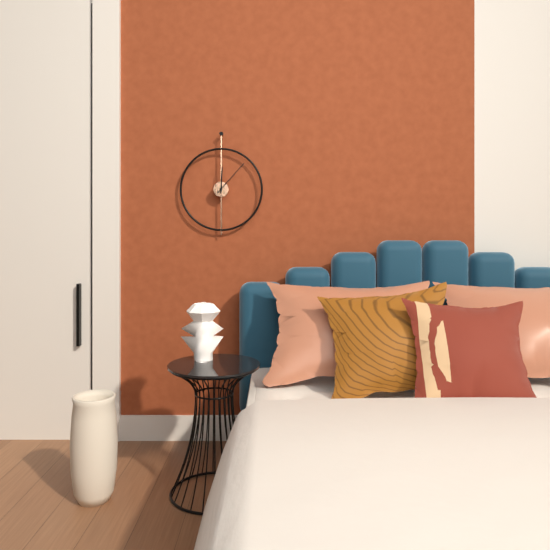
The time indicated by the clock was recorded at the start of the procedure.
12:07
